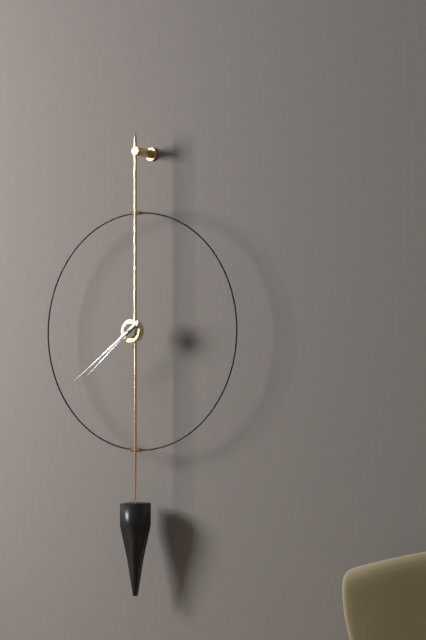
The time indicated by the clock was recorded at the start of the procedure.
7:39
